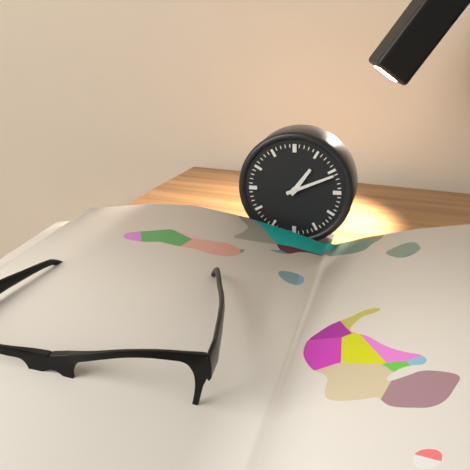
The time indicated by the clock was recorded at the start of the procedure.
1:11
